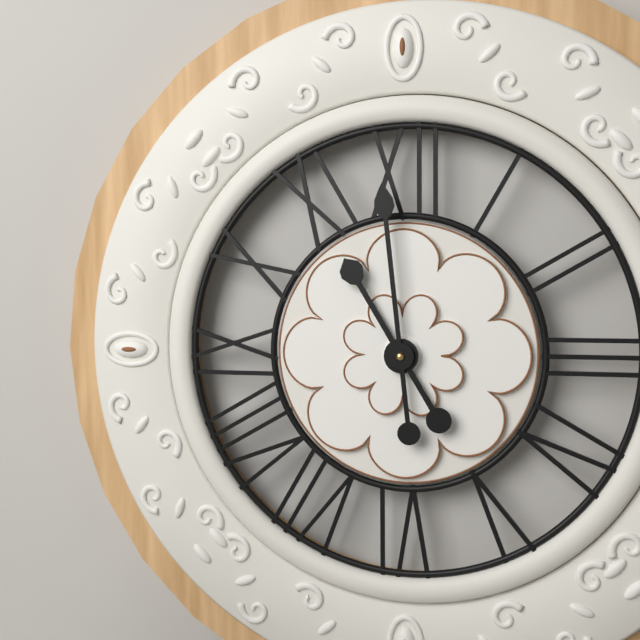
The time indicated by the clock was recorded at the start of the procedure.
10:59
